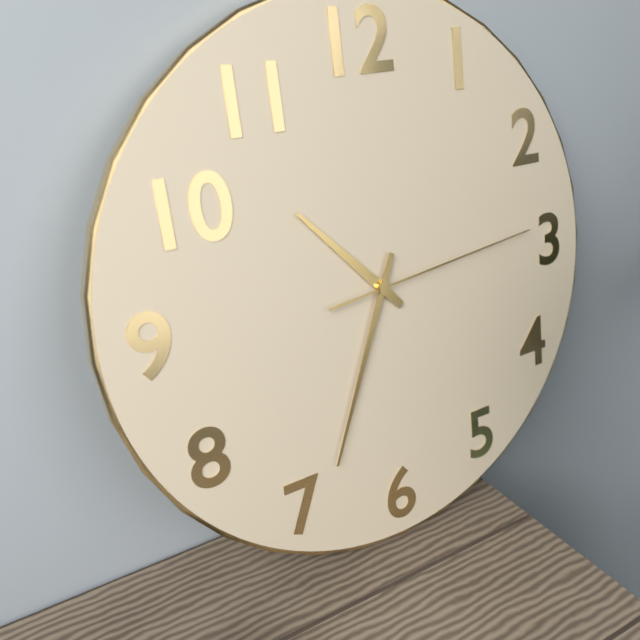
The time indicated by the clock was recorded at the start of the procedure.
10:34:14
